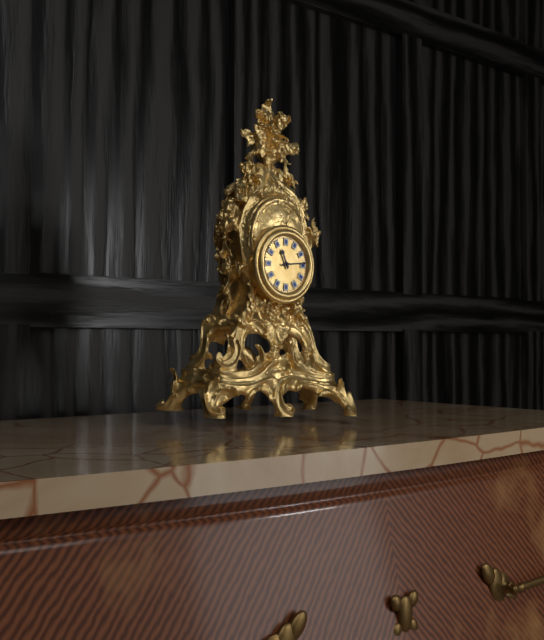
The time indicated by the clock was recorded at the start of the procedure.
11:14
